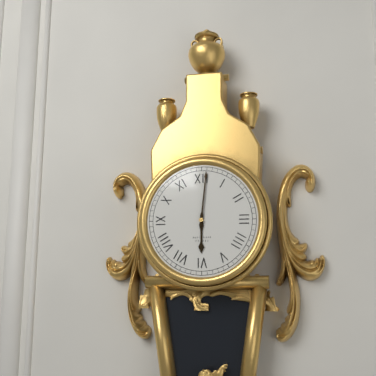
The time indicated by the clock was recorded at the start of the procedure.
6:01
